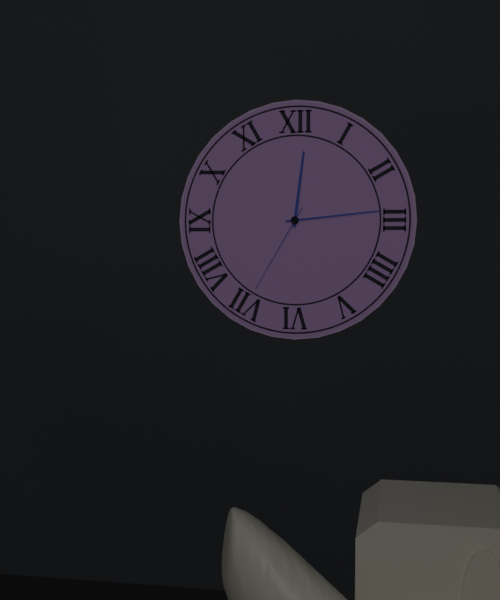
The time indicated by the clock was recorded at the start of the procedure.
12:14:35
